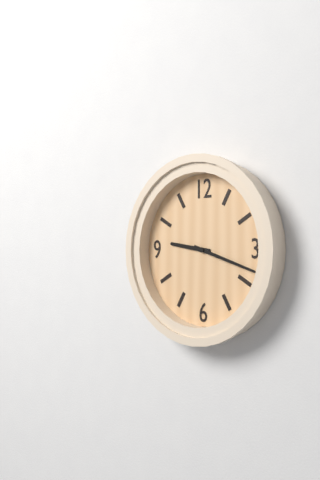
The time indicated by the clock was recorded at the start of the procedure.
9:18
